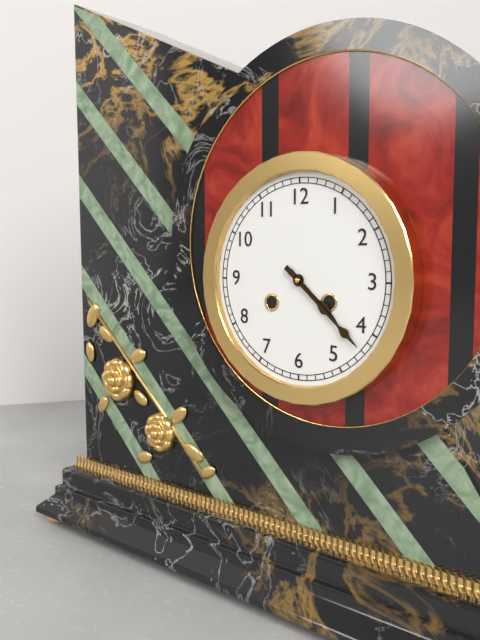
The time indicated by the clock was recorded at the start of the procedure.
4:22
